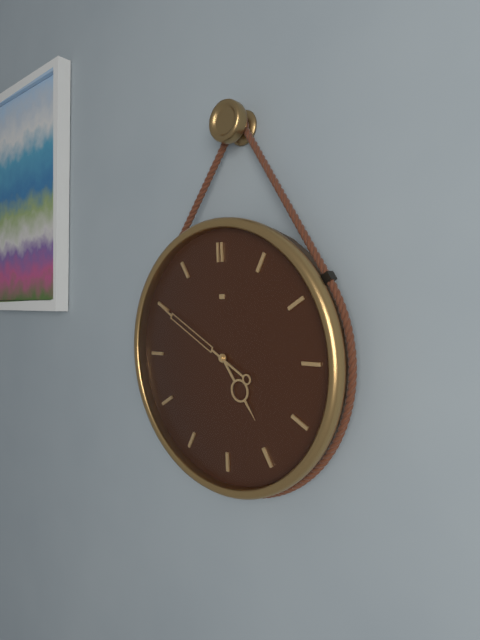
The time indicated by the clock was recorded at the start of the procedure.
4:50
